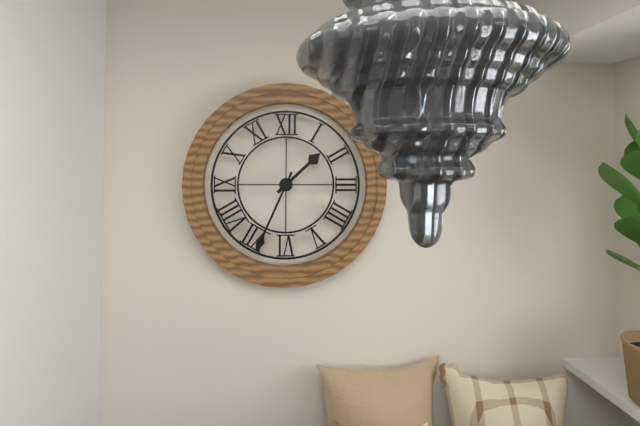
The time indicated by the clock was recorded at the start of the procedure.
1:34
